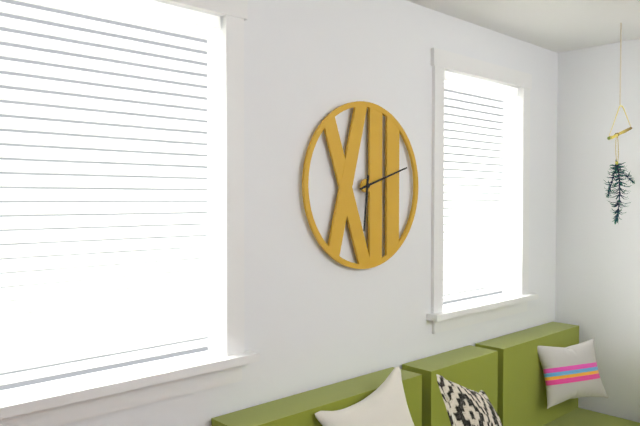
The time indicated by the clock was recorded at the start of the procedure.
6:12
